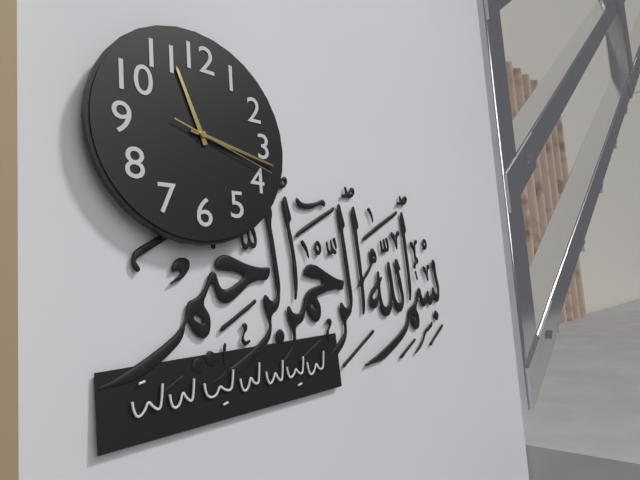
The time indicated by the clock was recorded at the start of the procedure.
11:17:18
